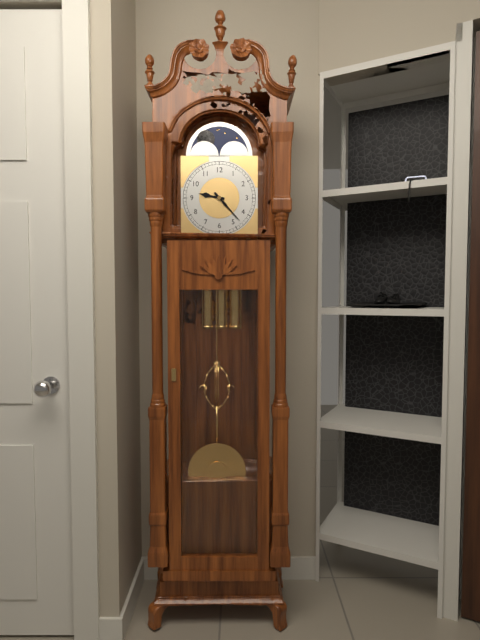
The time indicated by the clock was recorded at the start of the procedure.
9:23
